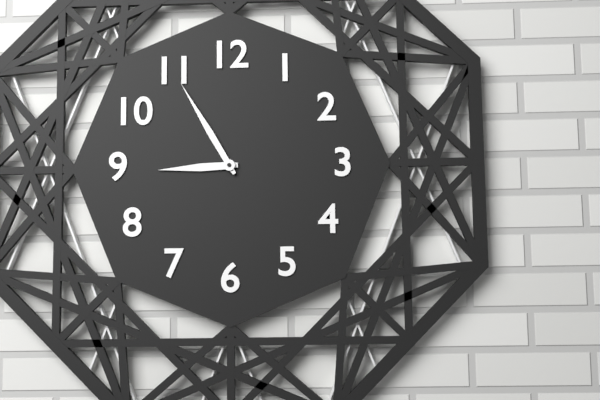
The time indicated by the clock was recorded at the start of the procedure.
8:55
